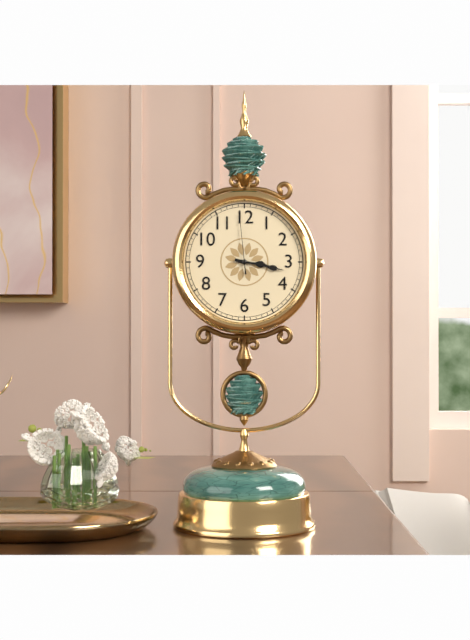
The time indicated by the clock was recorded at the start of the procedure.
3:17:59
